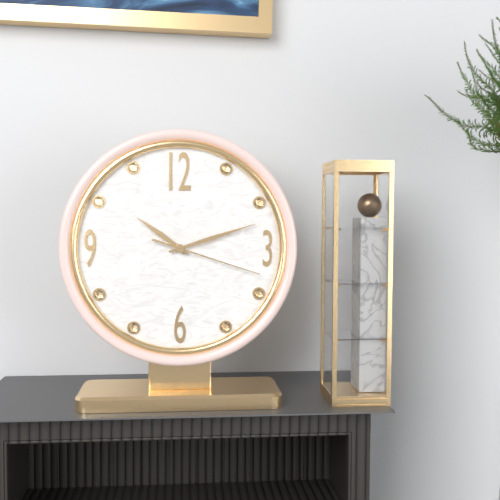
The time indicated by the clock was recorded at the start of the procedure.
10:12:18
